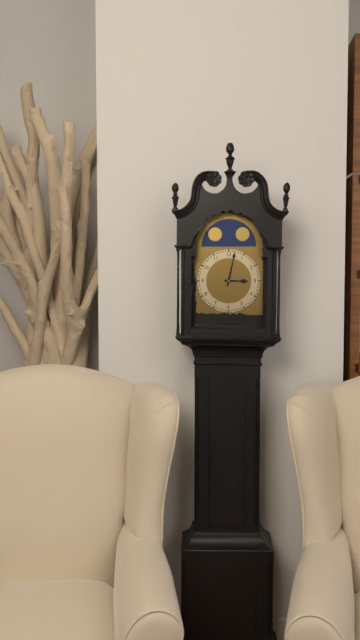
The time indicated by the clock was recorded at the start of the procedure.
3:02
